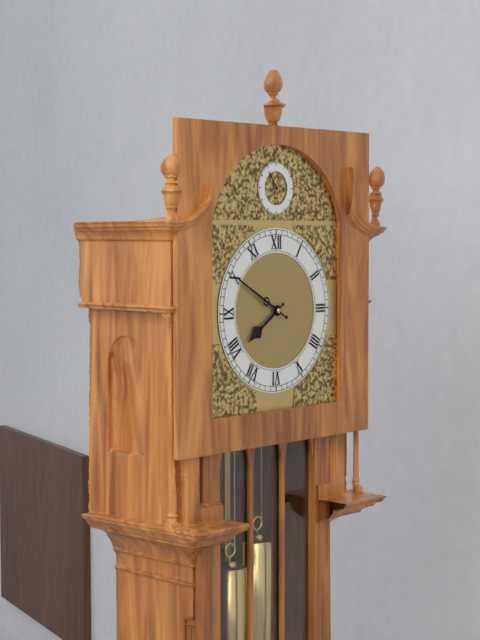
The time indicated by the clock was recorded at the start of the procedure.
7:50
